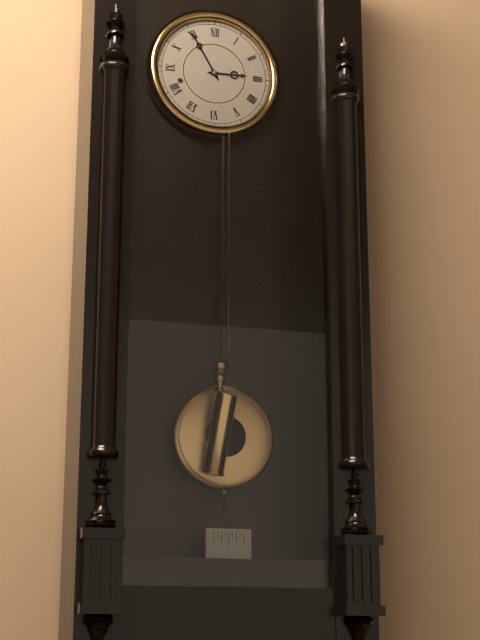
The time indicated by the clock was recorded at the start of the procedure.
2:55
